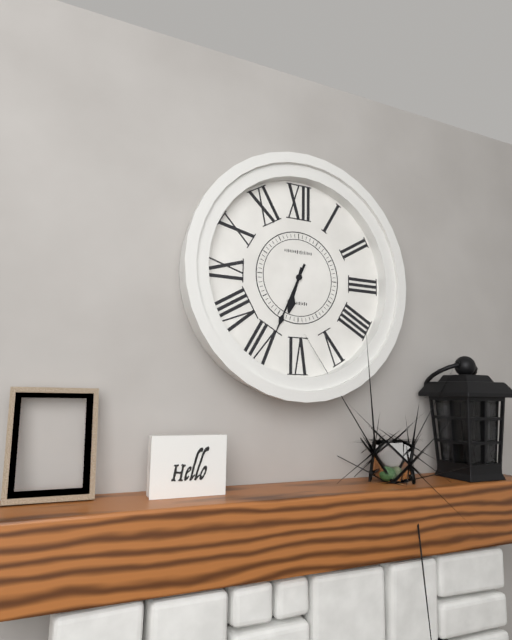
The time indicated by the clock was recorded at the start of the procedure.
6:34
